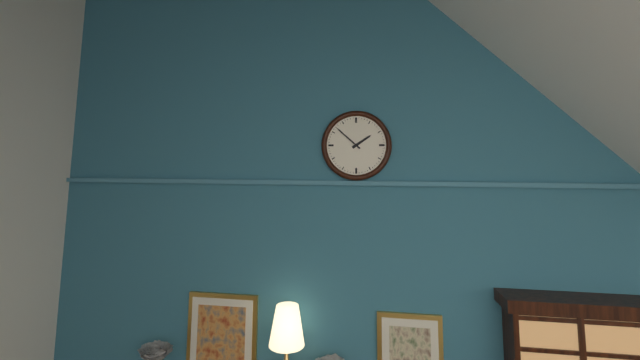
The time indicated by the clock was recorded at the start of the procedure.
1:52
